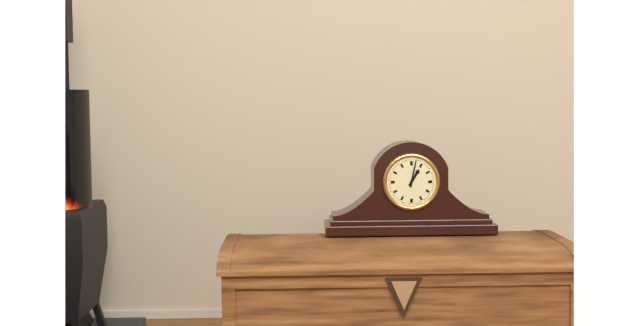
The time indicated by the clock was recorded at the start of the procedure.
1:02
